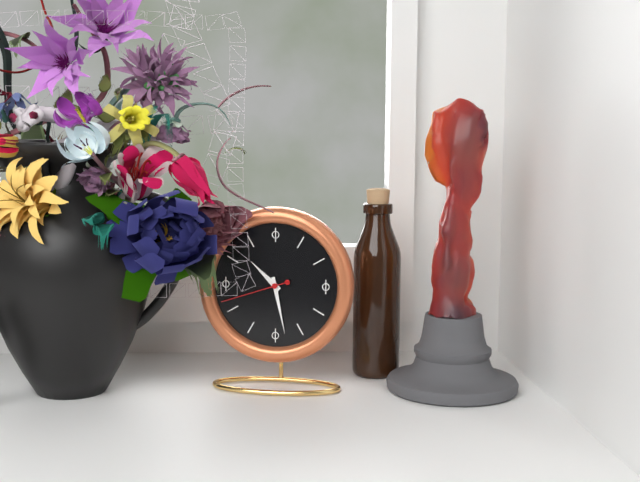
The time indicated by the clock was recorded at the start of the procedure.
10:28:42
